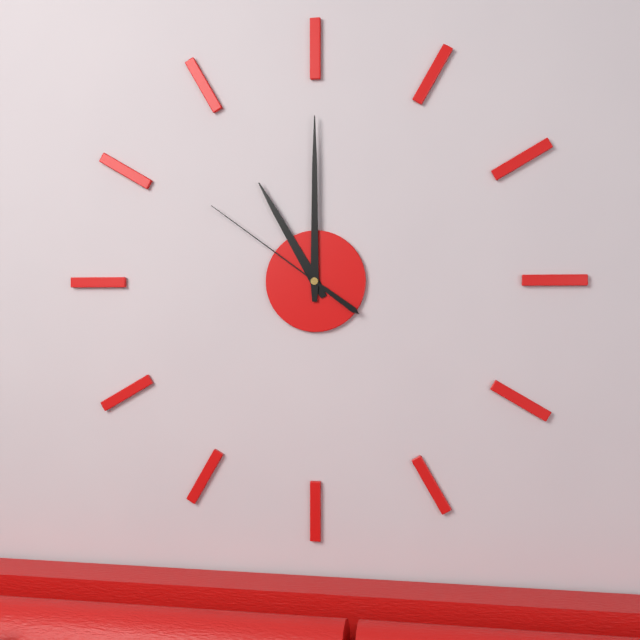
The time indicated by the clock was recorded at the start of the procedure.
11:00:51
